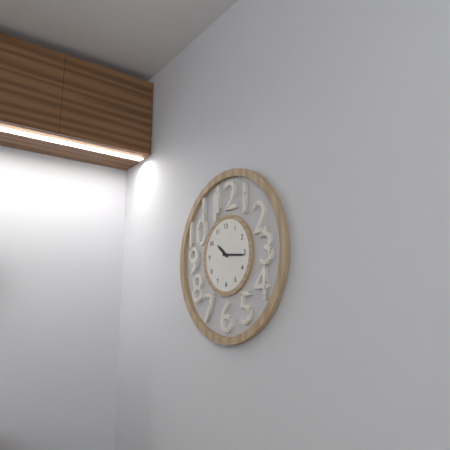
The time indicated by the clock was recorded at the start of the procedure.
10:16
